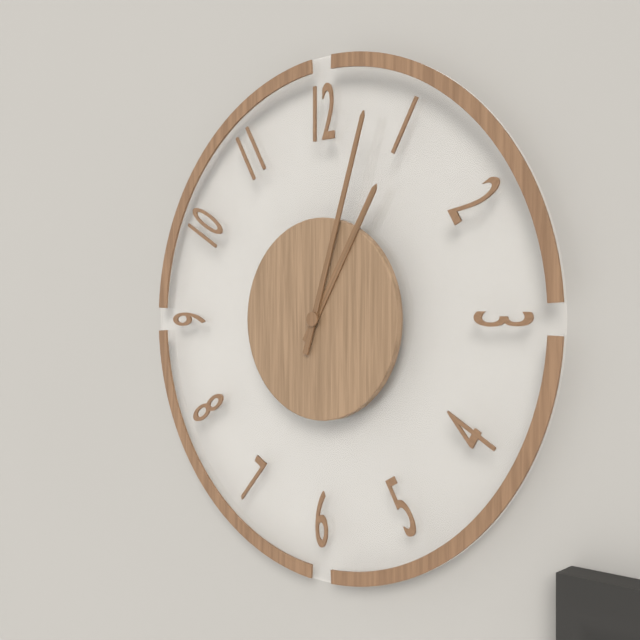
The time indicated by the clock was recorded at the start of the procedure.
1:03
